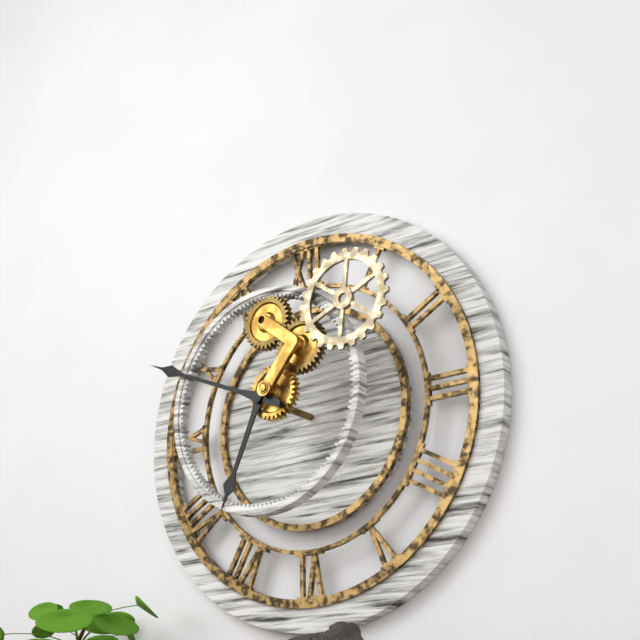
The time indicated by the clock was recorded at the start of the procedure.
6:49
